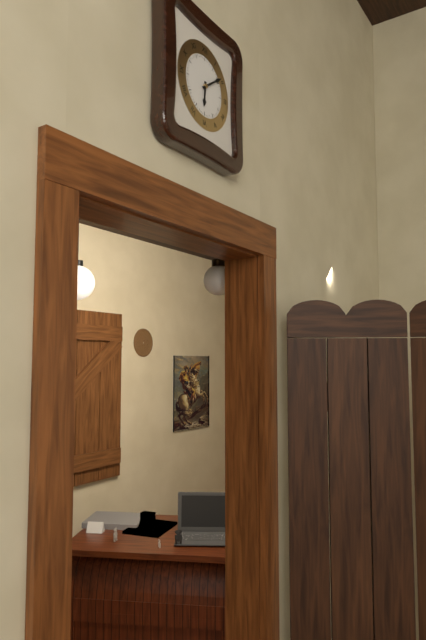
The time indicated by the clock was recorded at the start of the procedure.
6:09
